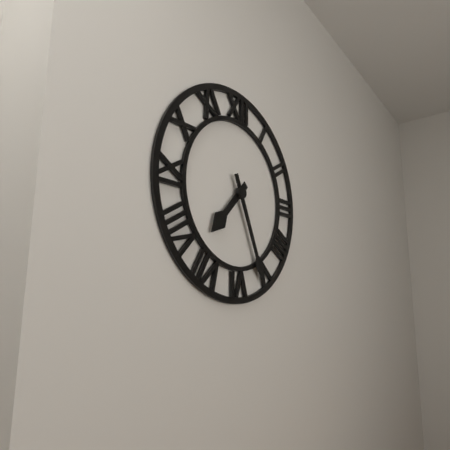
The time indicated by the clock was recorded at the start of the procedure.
7:26
